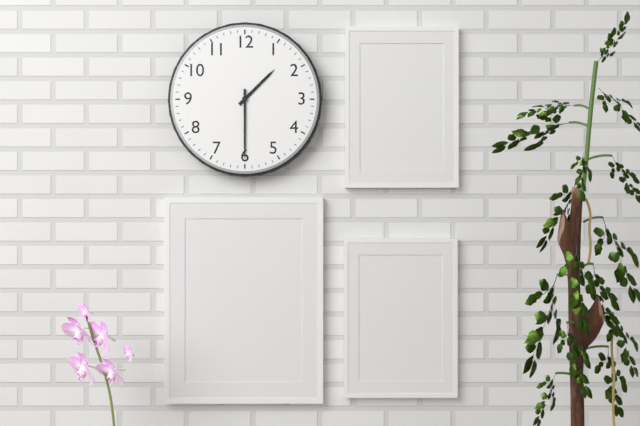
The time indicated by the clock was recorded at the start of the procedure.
1:30
